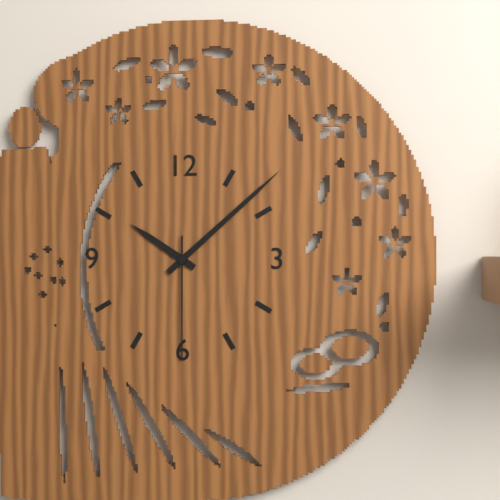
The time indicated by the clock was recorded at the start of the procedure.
10:08:30
